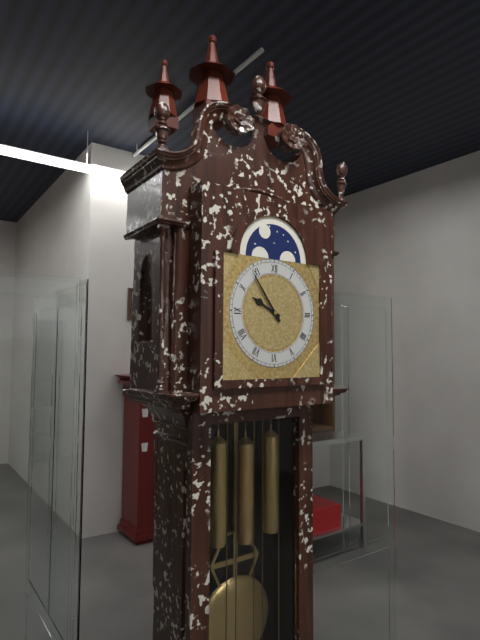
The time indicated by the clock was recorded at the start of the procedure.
9:54
